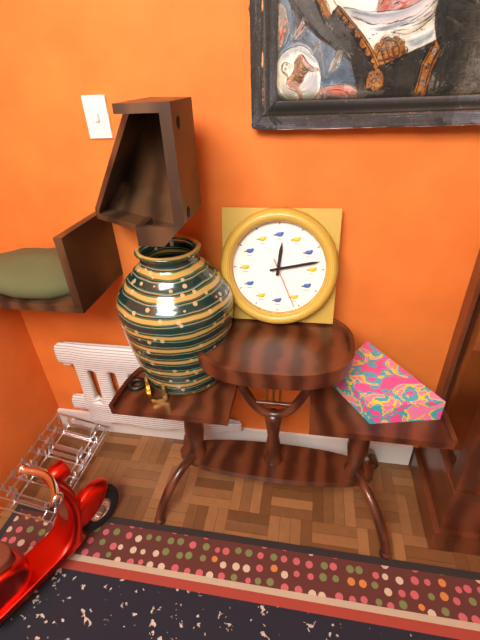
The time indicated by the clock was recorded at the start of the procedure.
12:13:26
